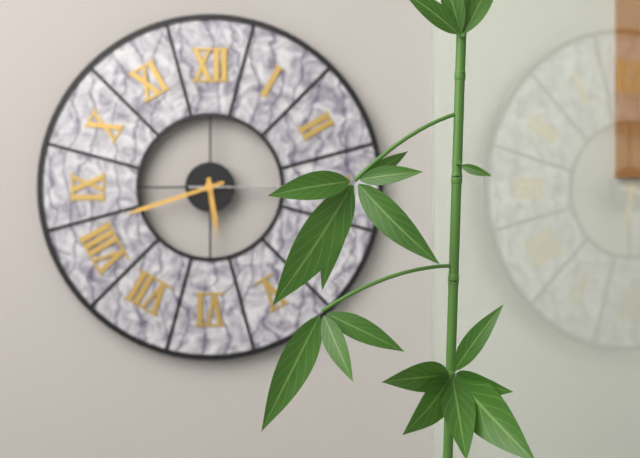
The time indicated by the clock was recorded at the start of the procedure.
5:42:15
